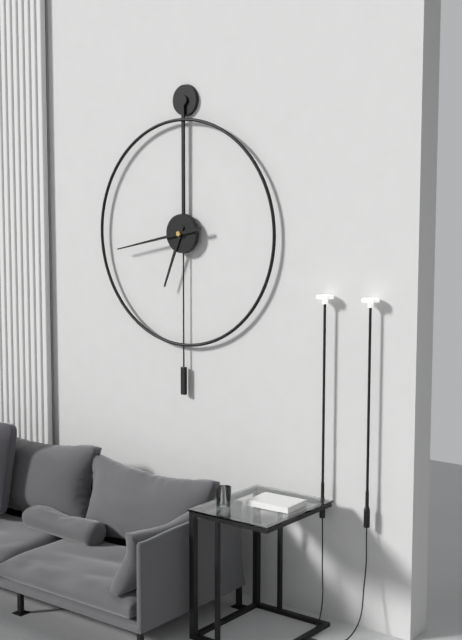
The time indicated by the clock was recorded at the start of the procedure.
6:43
